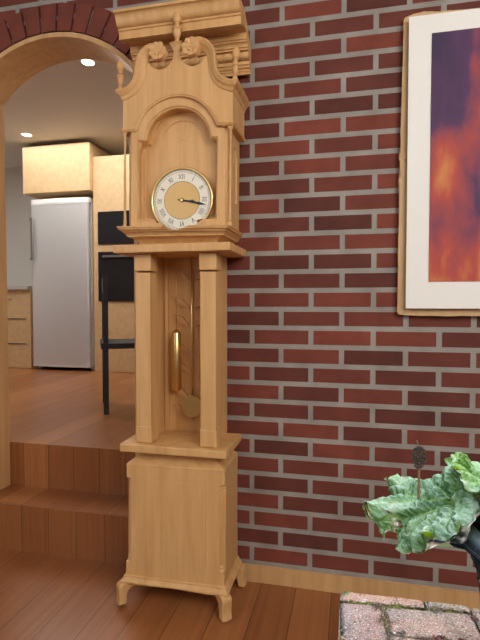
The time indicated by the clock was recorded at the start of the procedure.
3:17
